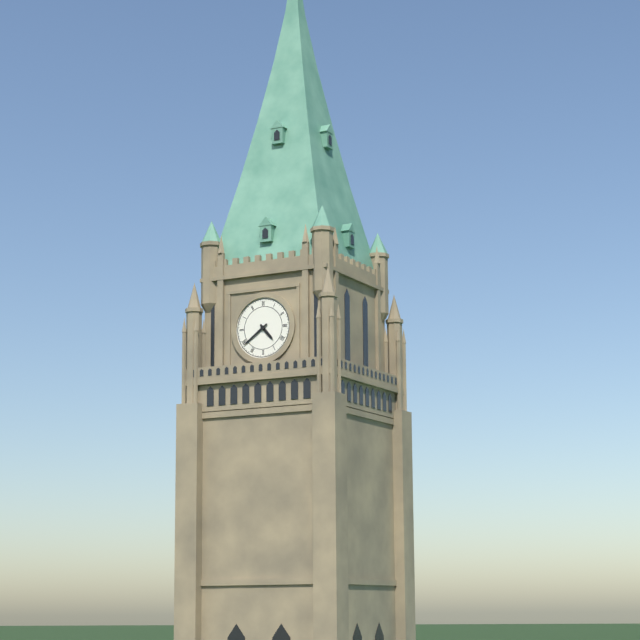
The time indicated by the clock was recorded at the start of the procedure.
4:39
